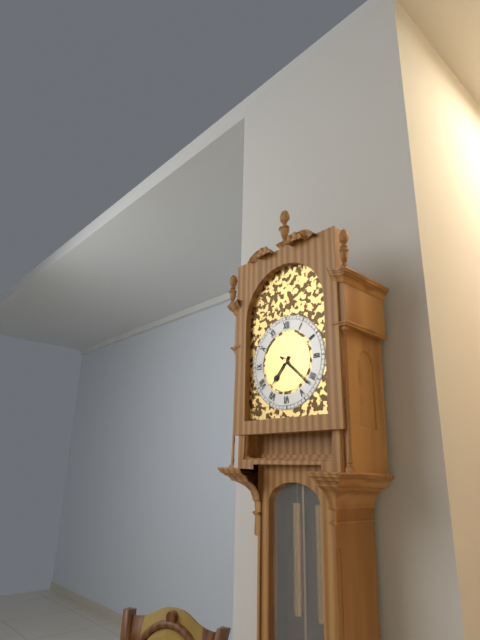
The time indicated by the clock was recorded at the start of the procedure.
7:22
